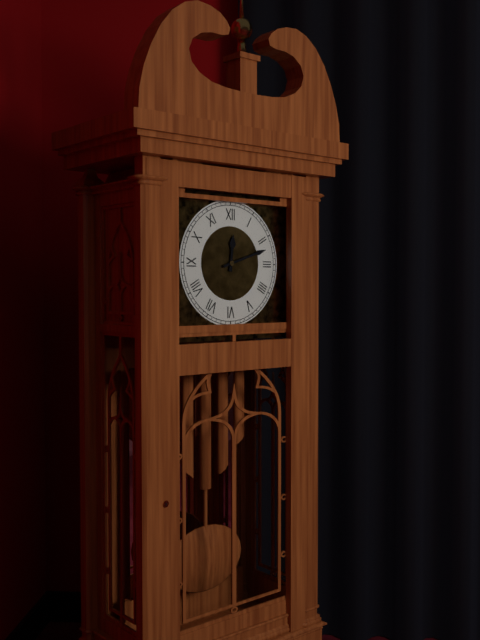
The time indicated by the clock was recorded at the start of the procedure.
12:12
